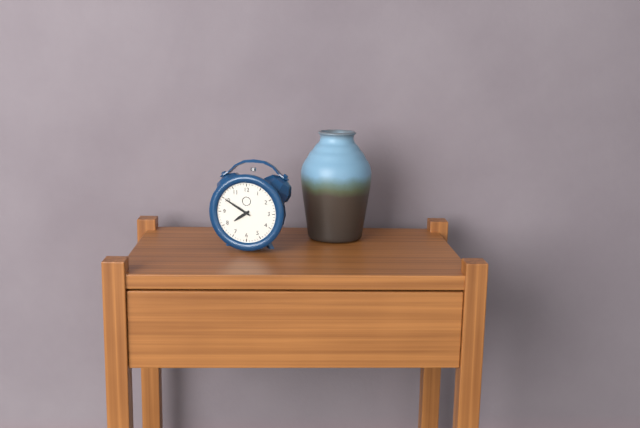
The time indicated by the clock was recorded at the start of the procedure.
7:50
